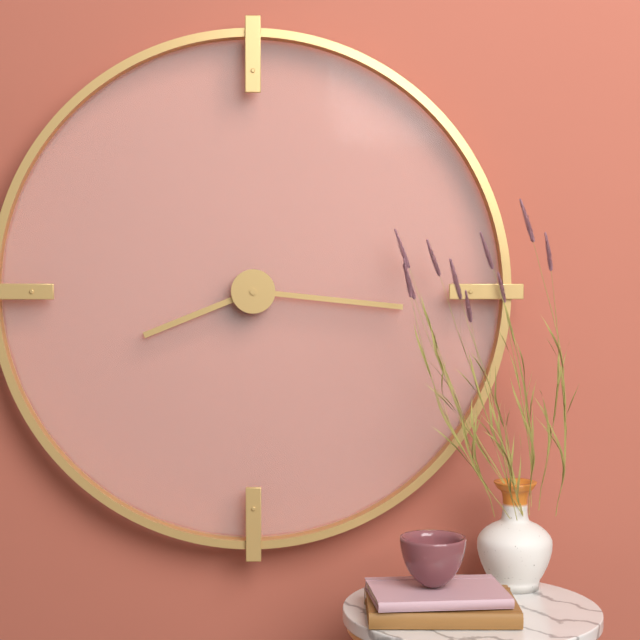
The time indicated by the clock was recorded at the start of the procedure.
8:16
